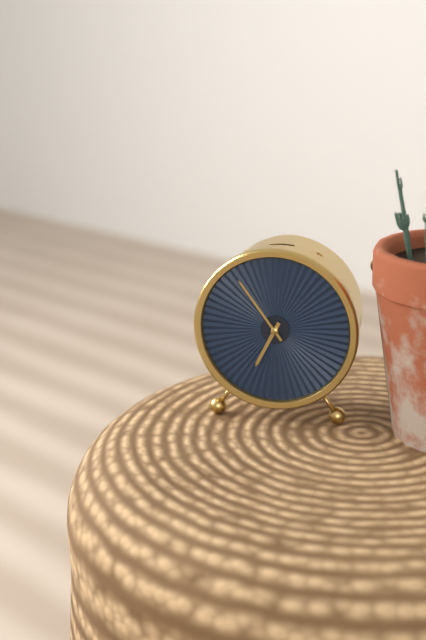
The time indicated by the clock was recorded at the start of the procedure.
6:54
